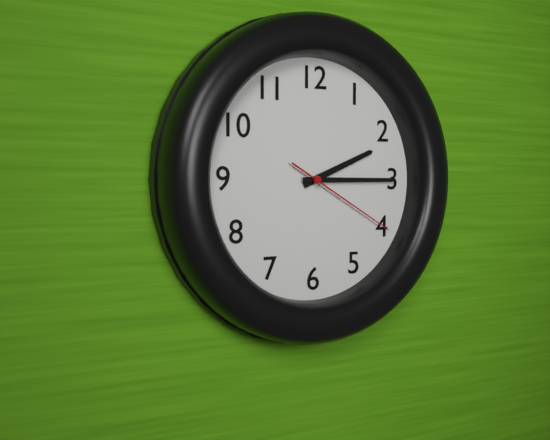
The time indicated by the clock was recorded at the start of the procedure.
2:15:20
